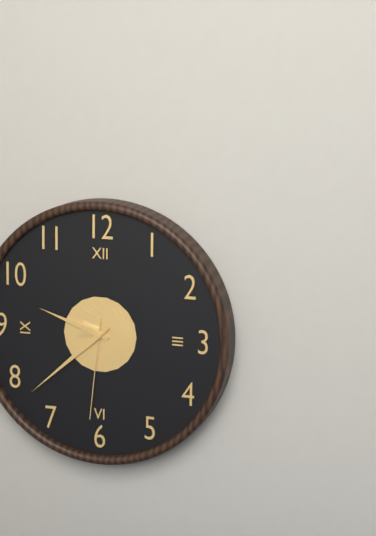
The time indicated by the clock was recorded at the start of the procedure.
9:38:31
